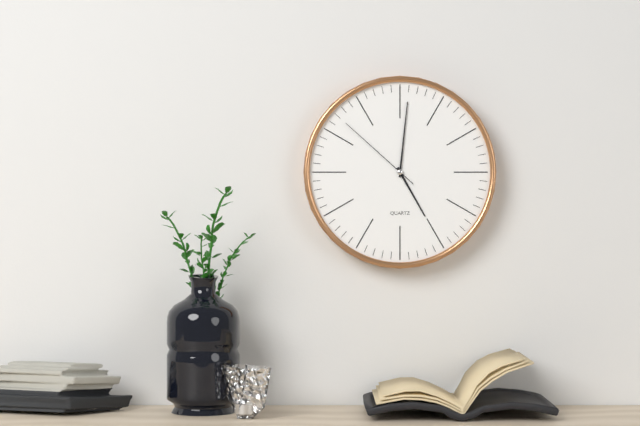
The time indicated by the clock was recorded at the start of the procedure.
5:01:52
